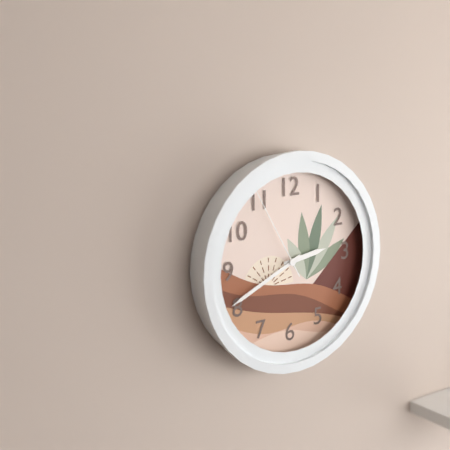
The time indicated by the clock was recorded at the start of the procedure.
2:41:55
